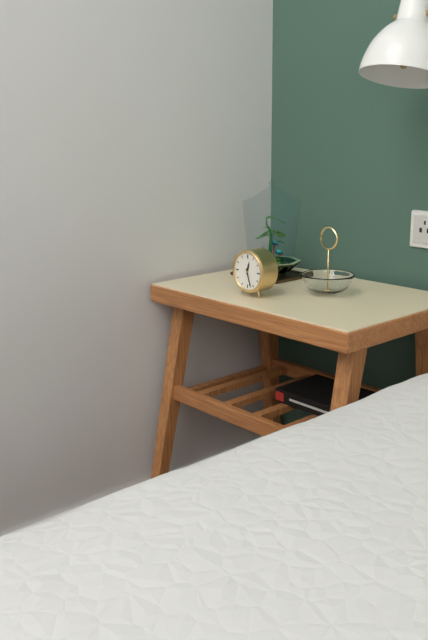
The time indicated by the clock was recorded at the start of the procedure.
12:27
